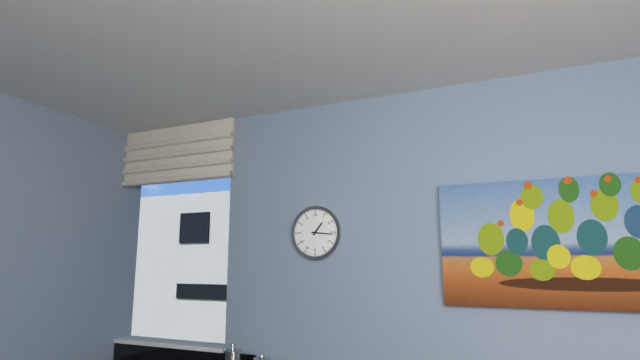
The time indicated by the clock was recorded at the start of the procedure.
1:16
